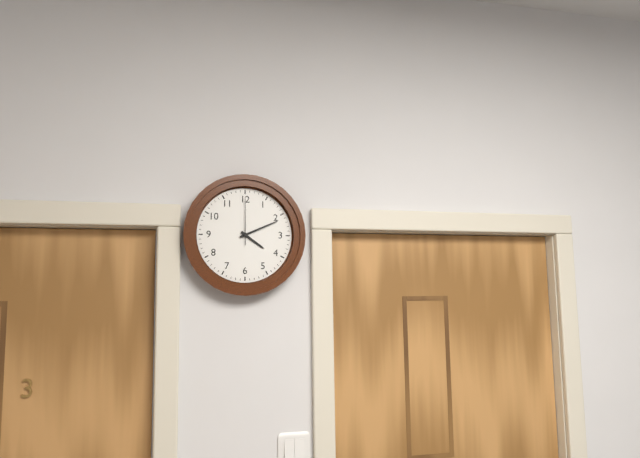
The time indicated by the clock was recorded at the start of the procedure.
4:11
